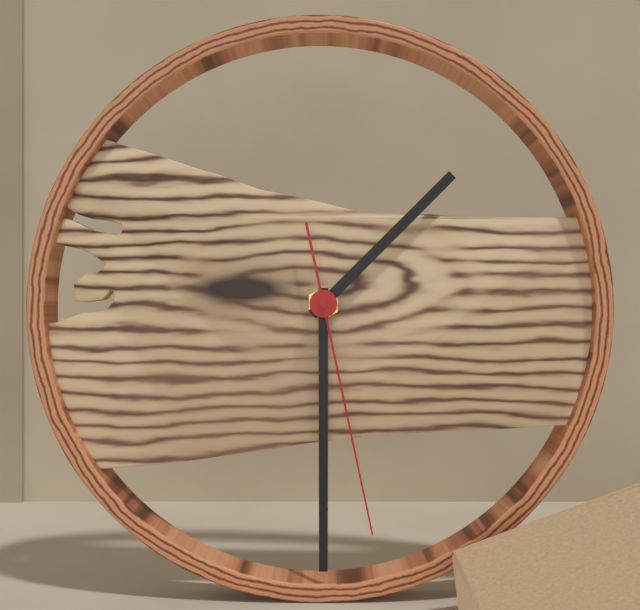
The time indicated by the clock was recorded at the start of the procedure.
1:30:28
